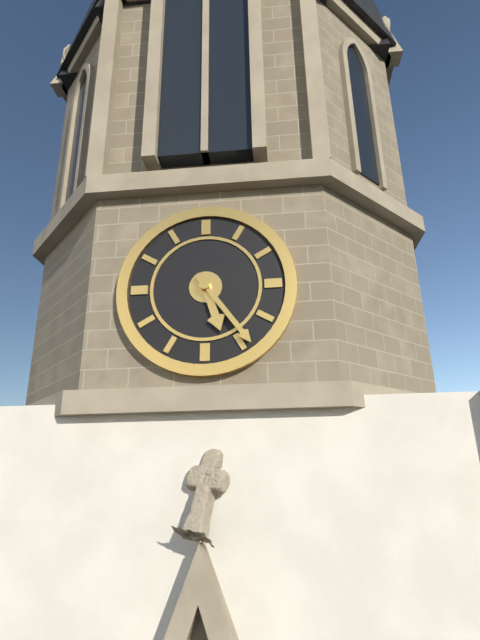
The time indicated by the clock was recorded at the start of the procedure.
5:24
